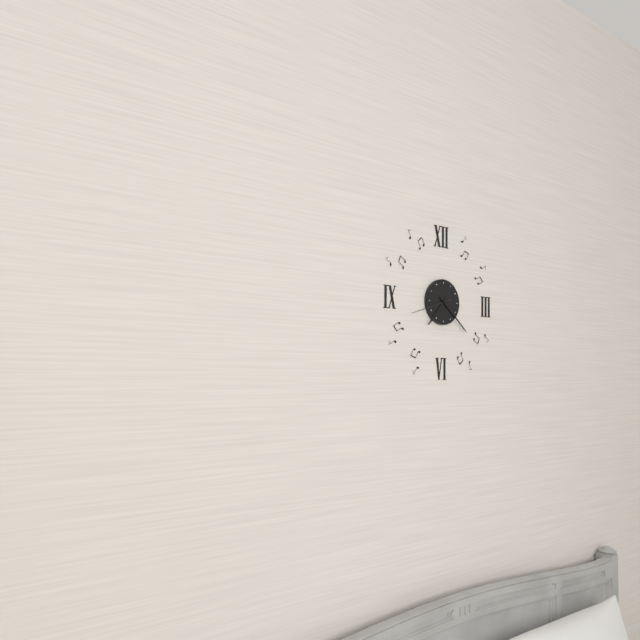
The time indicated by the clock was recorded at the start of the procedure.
7:22
